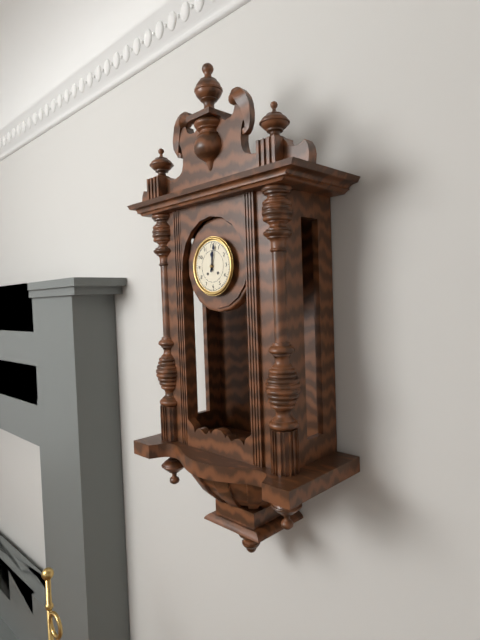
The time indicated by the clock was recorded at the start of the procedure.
12:02
